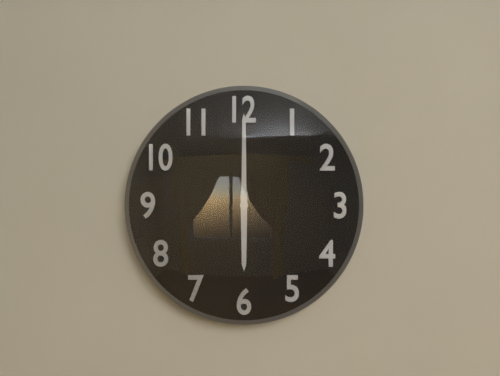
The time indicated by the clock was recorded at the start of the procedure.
6:00
